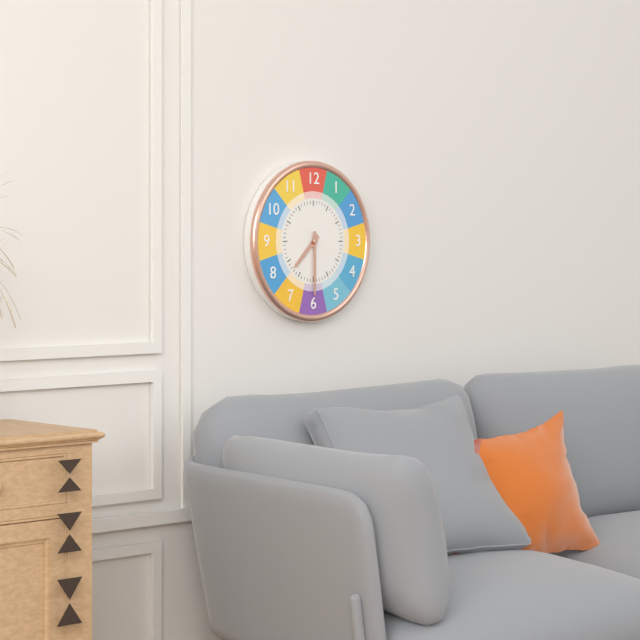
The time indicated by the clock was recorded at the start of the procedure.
7:30
